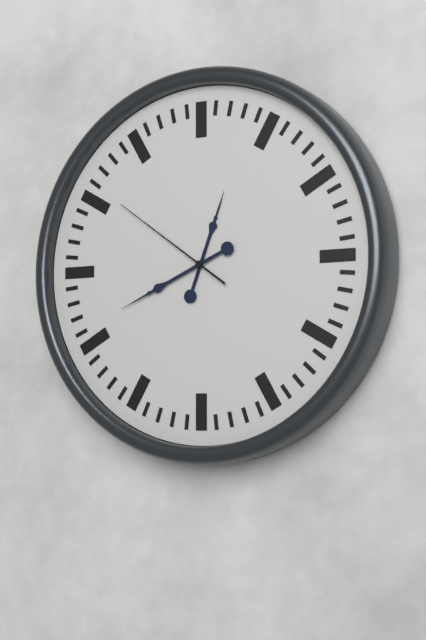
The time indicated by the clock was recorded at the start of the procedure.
12:41:51
